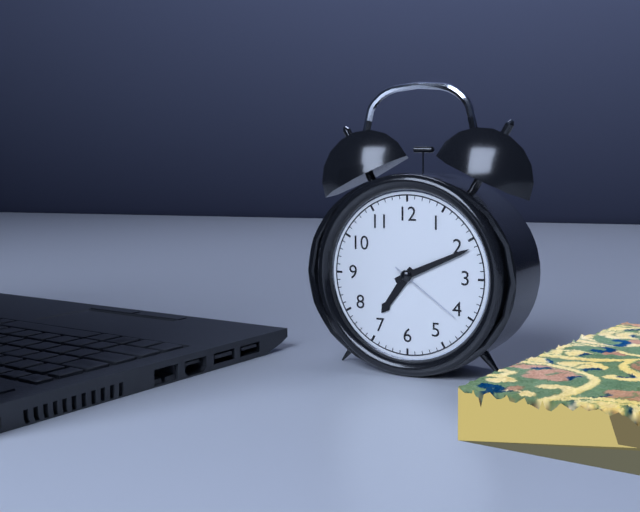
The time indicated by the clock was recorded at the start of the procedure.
7:11:21
